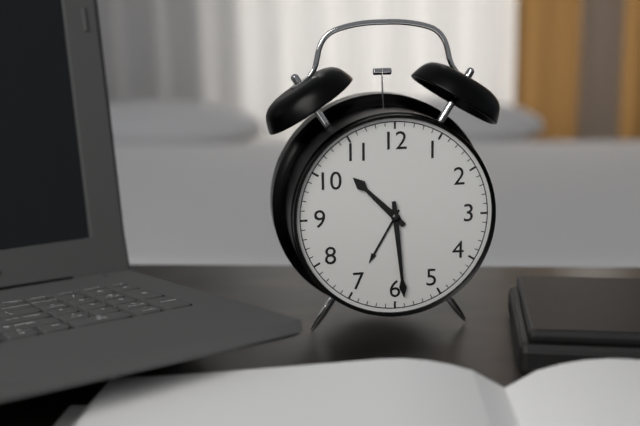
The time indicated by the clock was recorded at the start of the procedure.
10:29
